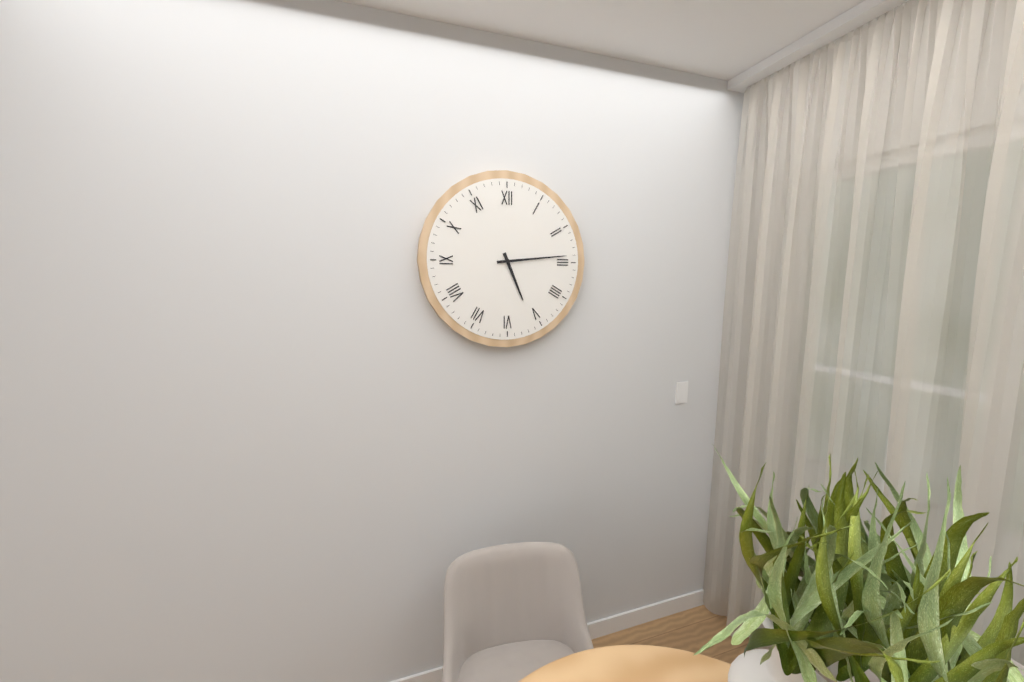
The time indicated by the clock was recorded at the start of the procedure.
5:14
